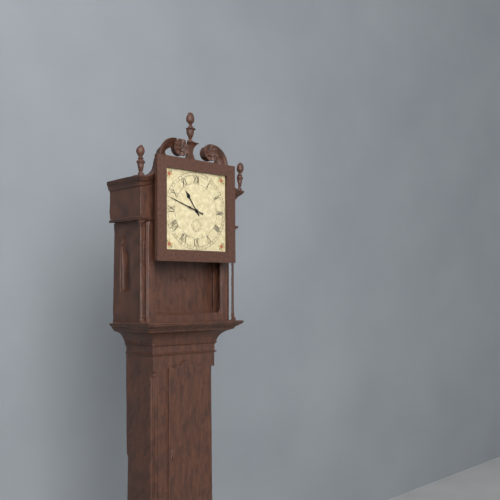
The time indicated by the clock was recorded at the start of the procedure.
10:48
